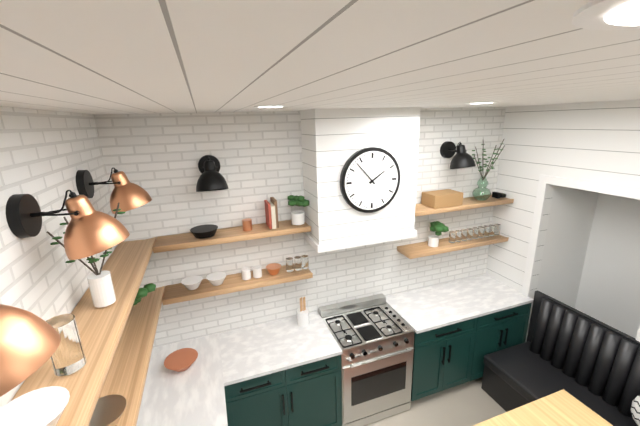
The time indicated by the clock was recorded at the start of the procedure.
1:53
